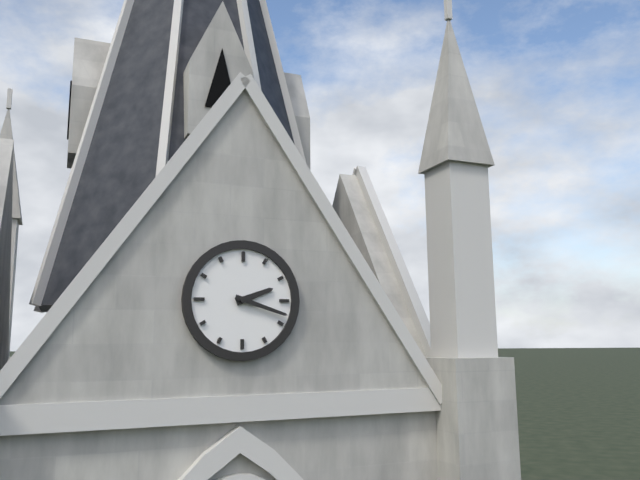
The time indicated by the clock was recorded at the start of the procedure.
2:18
